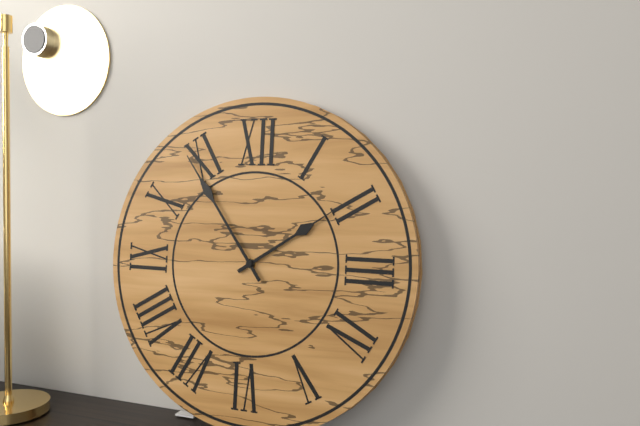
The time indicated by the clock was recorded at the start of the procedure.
1:54
